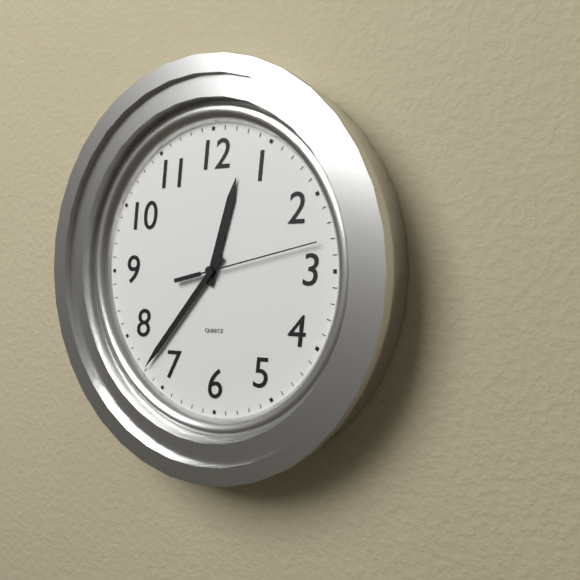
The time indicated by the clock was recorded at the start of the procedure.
12:37:13
